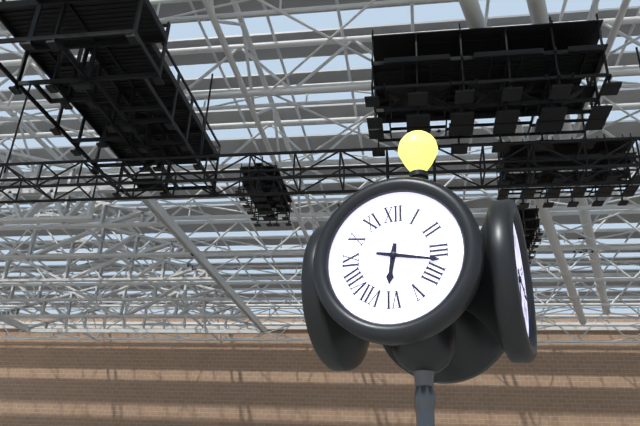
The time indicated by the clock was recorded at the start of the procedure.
6:17
